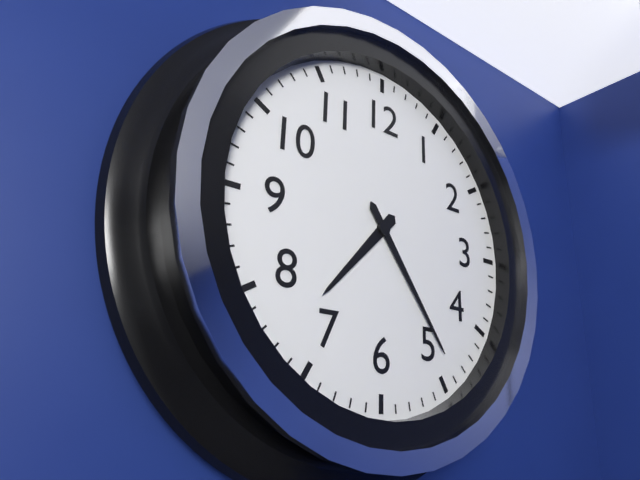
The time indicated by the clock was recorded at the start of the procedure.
7:24
